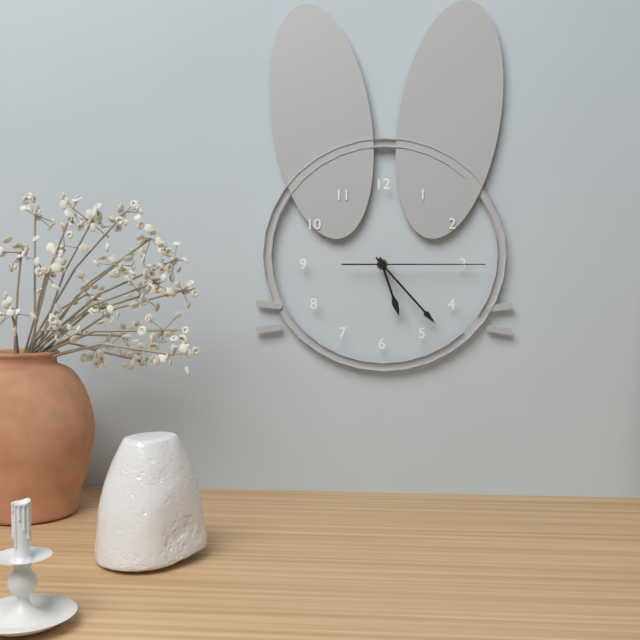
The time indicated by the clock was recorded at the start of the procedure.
5:23:15
